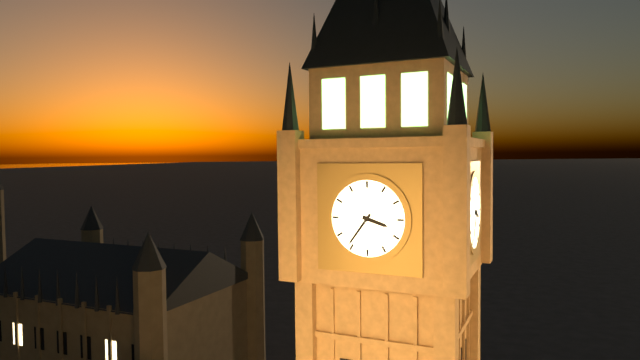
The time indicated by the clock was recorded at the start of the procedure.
3:36
